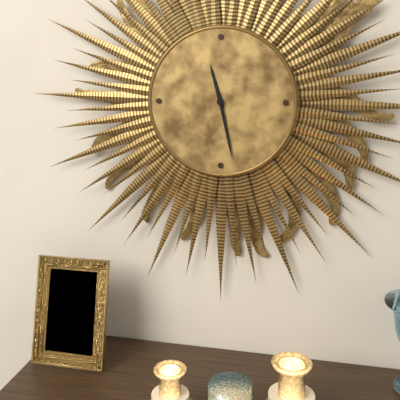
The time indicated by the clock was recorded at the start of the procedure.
11:28
